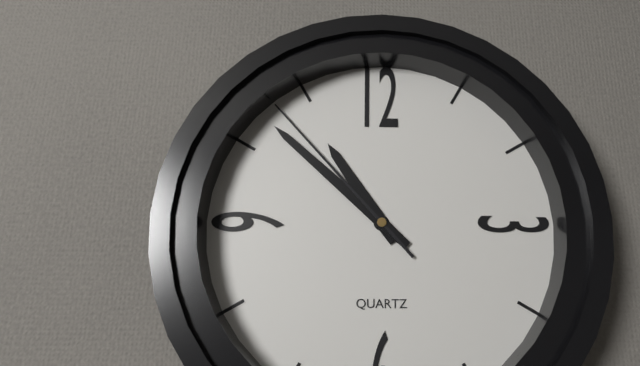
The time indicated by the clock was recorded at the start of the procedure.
10:52:53
